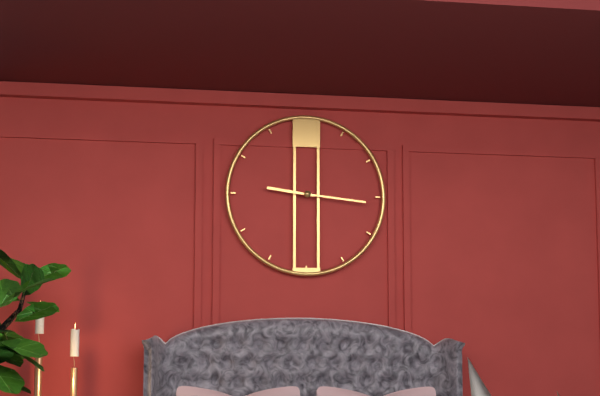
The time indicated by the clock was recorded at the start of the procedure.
9:16
